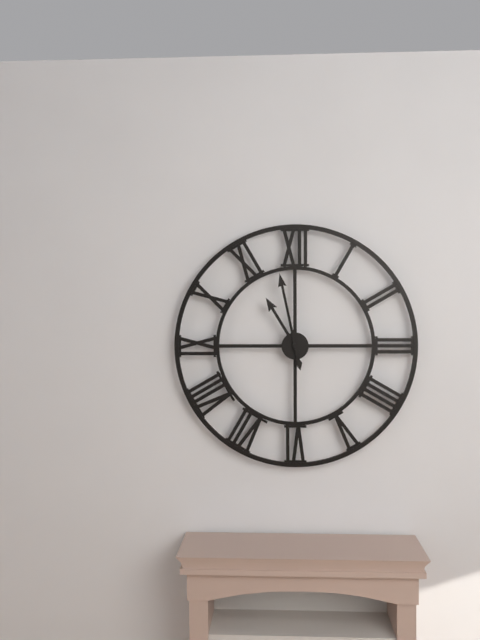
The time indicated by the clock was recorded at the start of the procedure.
10:58
